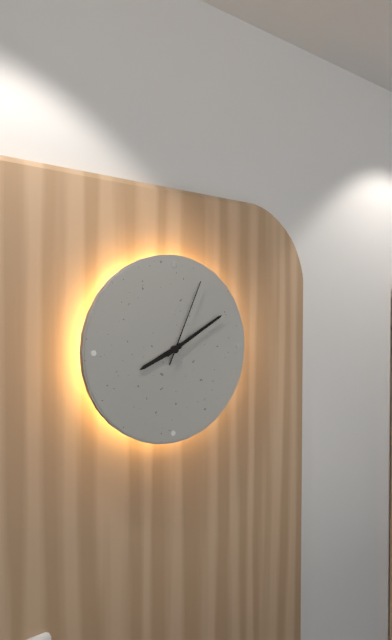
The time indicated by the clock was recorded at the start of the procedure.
8:10:04
